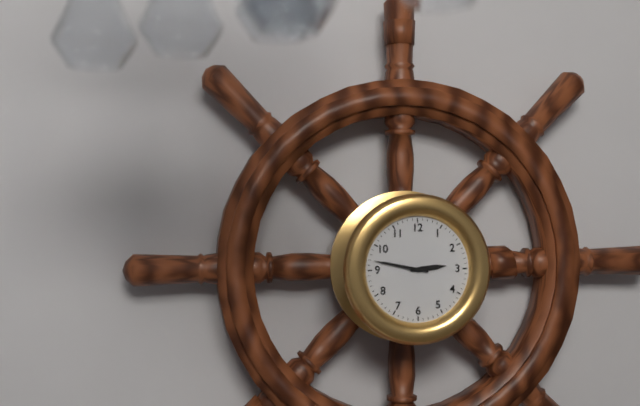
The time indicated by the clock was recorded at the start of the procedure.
2:47
